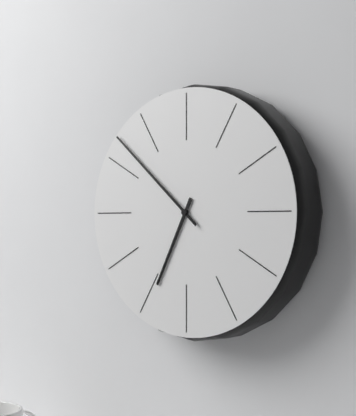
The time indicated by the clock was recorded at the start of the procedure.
6:52
